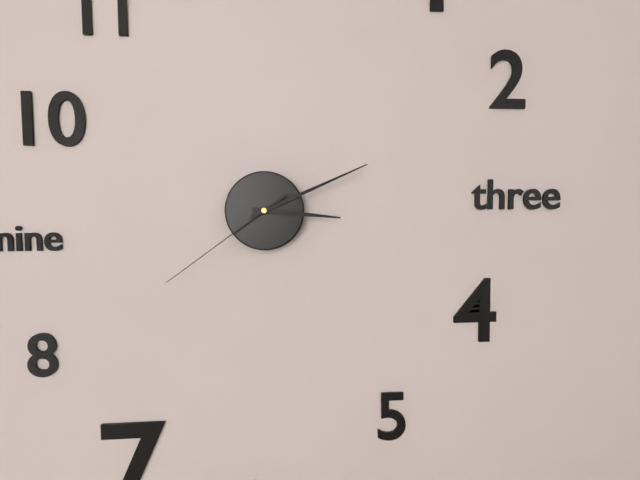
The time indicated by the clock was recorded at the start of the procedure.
3:11:39
